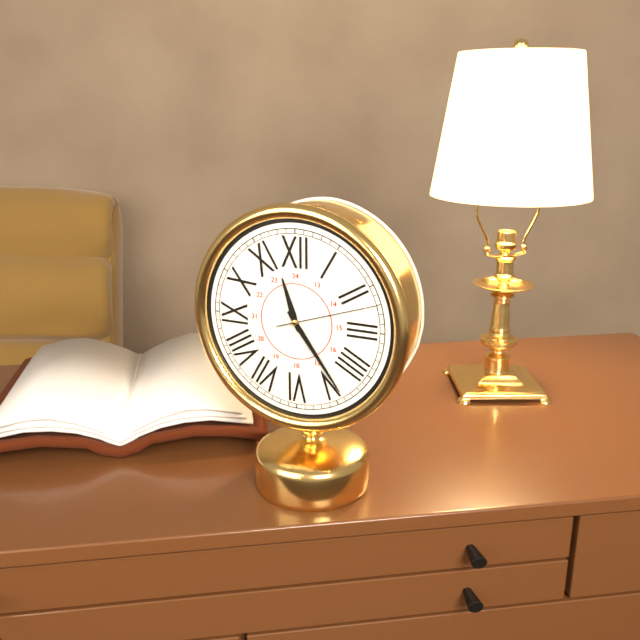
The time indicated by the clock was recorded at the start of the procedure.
11:24:12
